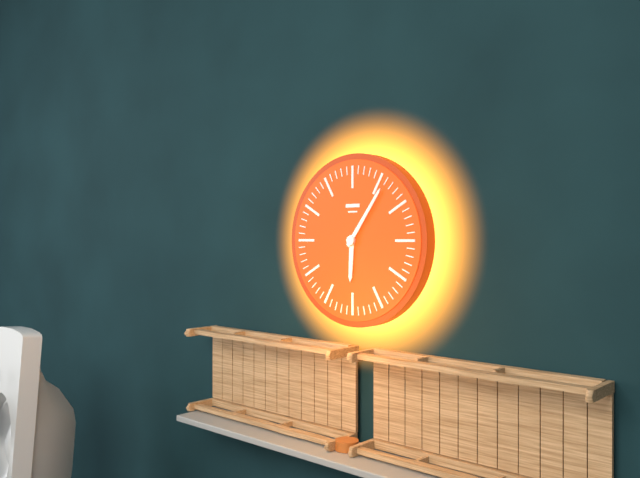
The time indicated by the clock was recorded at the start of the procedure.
6:06
